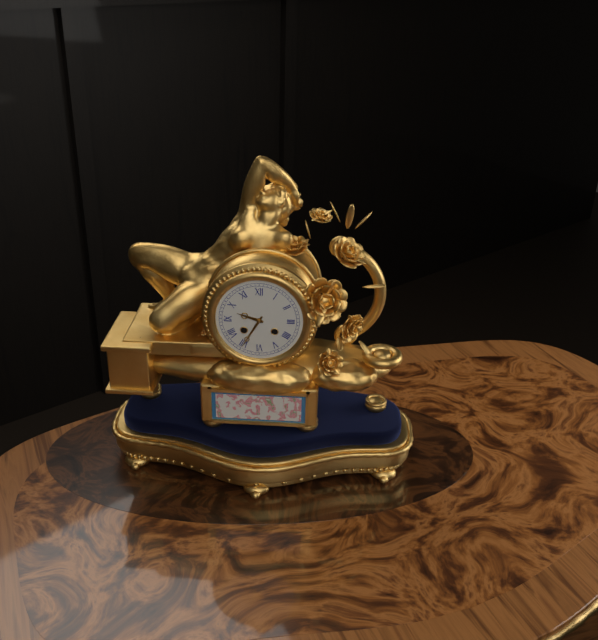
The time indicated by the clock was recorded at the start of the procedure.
9:35
